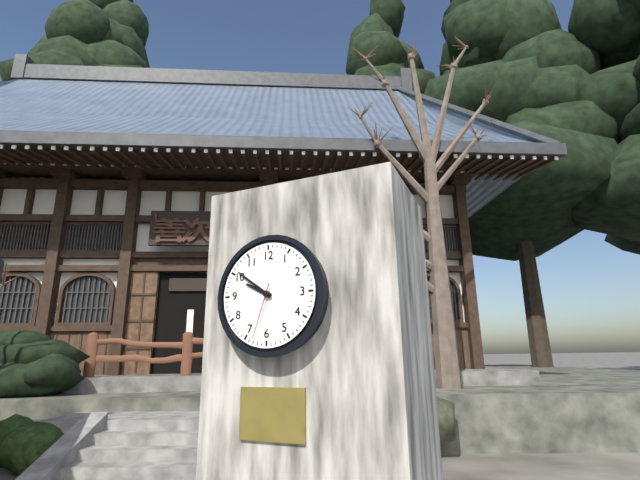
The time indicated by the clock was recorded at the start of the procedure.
9:51:33
